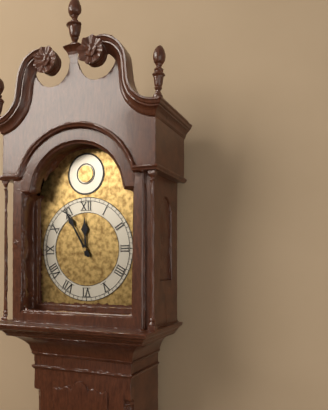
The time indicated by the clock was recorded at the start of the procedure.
11:55
